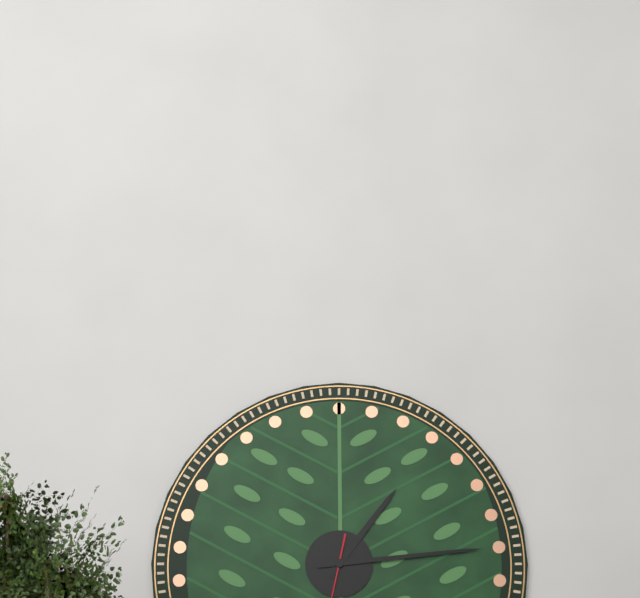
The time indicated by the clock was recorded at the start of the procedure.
1:14
